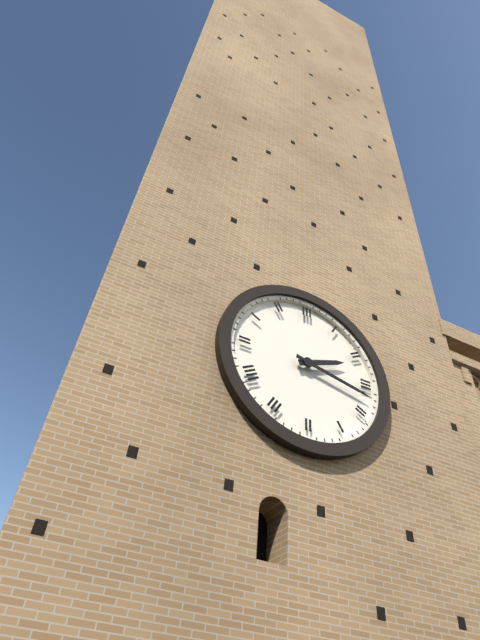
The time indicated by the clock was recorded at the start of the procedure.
2:17
